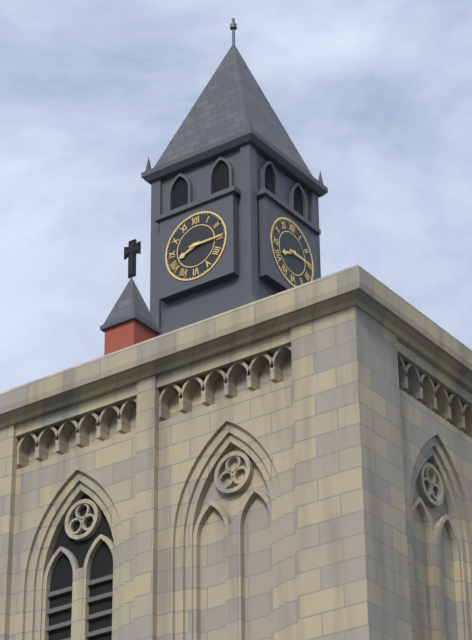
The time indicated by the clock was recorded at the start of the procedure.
8:15
